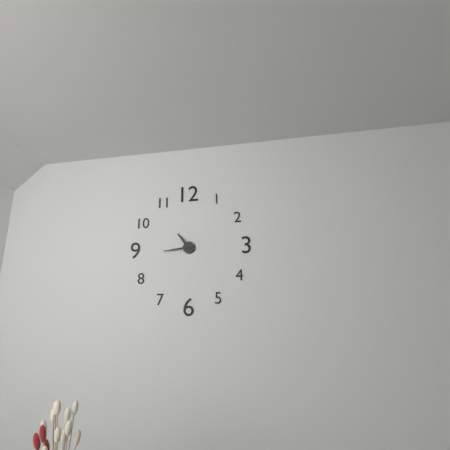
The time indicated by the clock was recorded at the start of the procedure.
10:44
